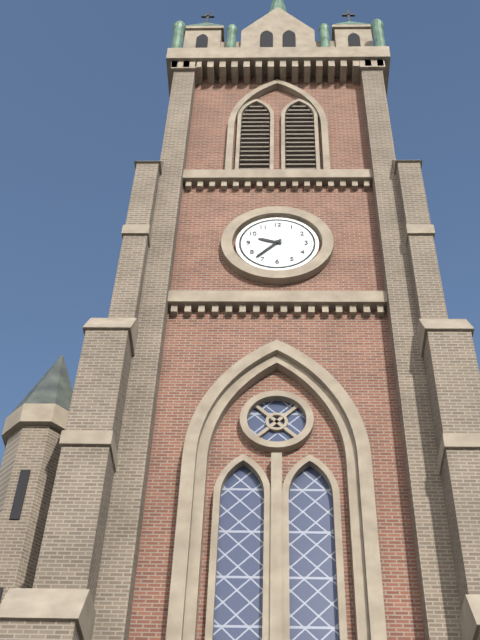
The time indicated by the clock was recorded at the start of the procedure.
9:37
